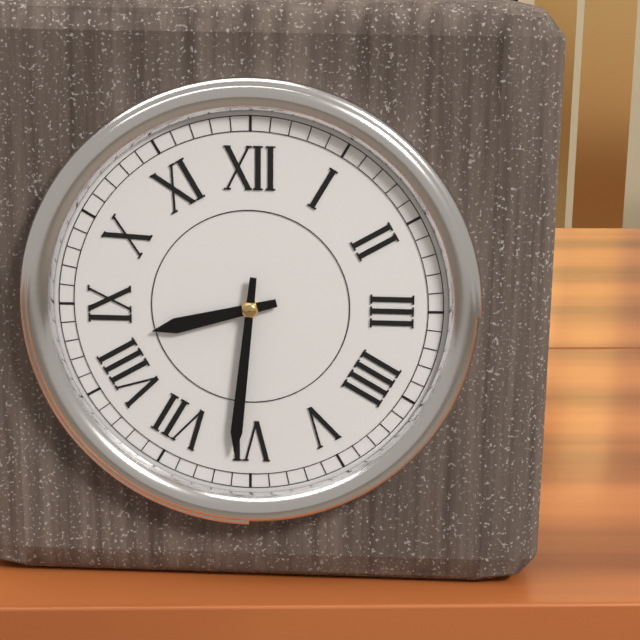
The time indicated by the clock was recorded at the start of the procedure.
8:31
